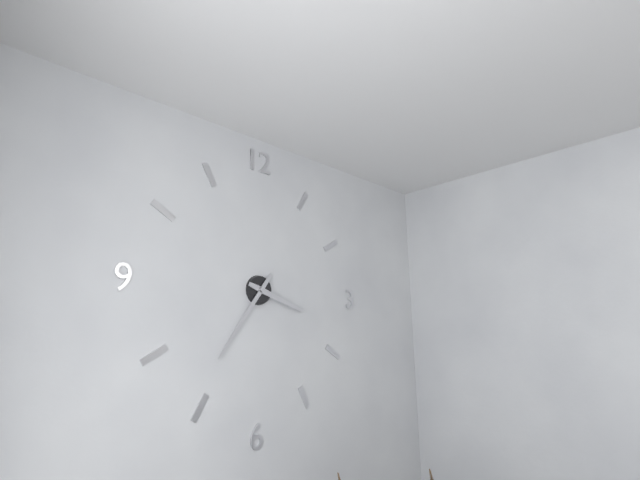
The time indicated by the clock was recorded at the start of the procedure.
3:36
